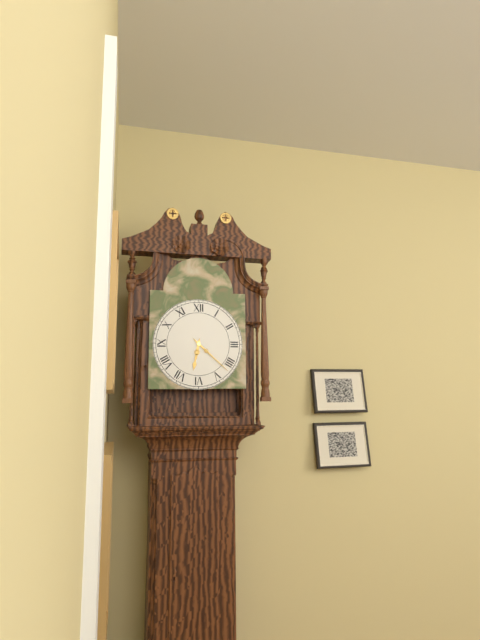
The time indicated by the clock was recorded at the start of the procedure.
6:22
